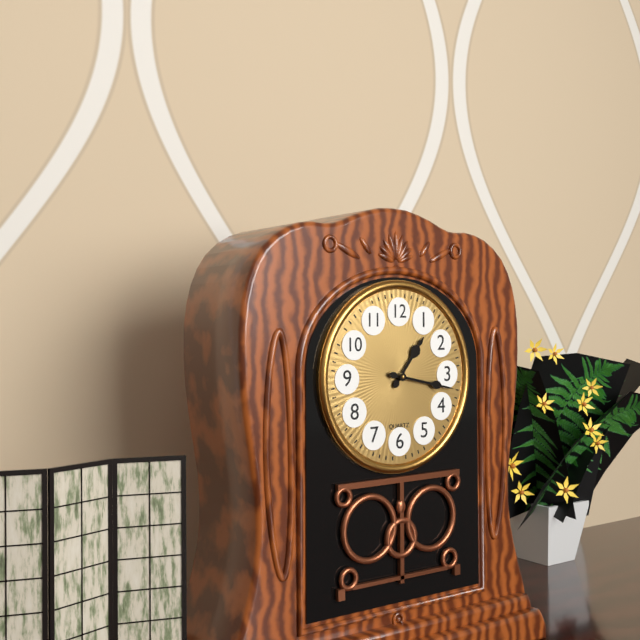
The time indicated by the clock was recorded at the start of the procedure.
1:17
